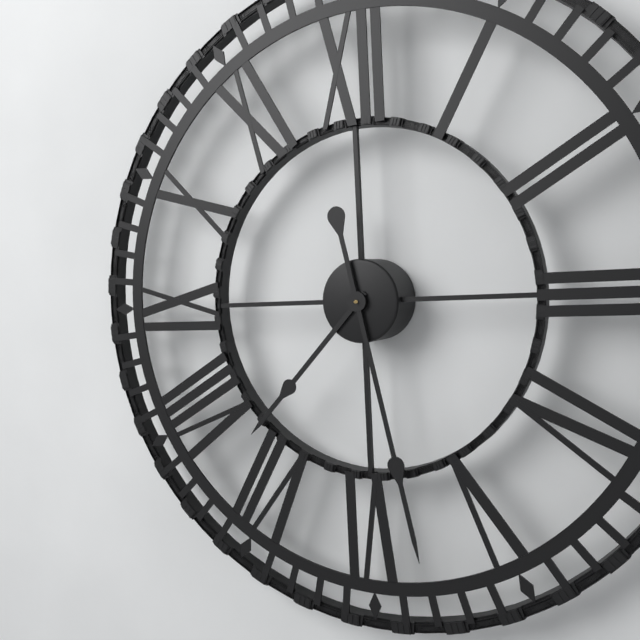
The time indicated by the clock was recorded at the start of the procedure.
7:28
